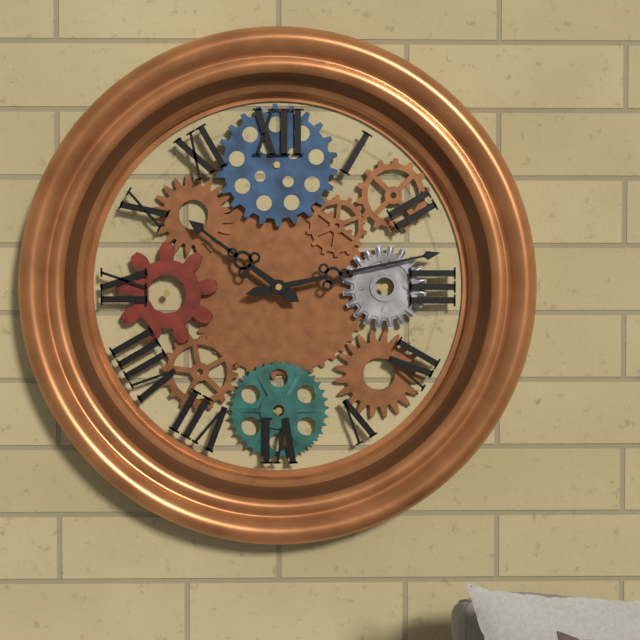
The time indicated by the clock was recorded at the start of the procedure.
10:13
